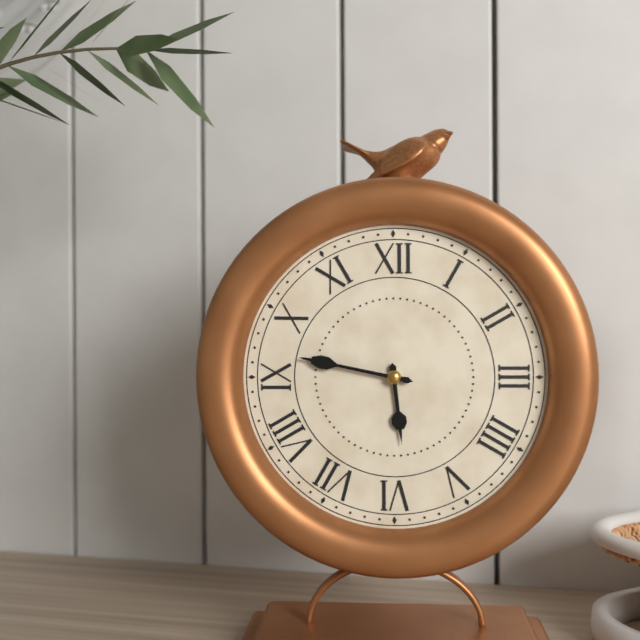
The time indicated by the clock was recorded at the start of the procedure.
5:47
